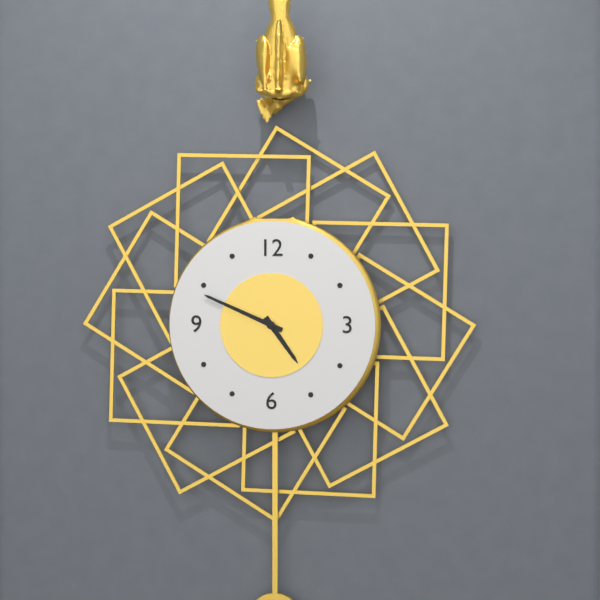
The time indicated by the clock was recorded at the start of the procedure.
4:49
